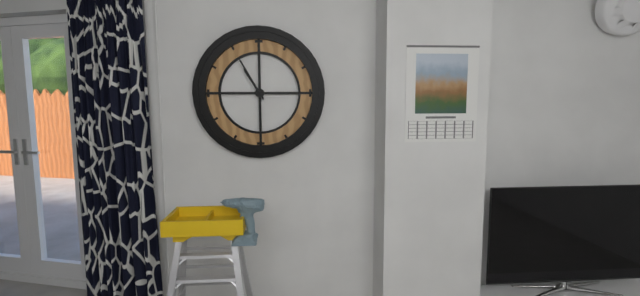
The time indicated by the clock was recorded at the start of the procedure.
10:55
